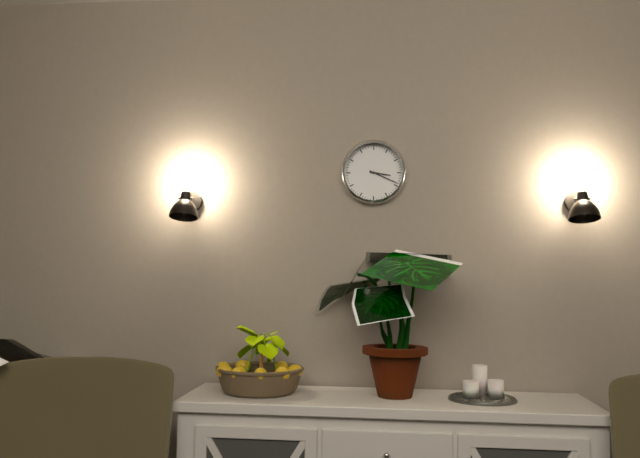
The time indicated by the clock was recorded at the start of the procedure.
3:19
